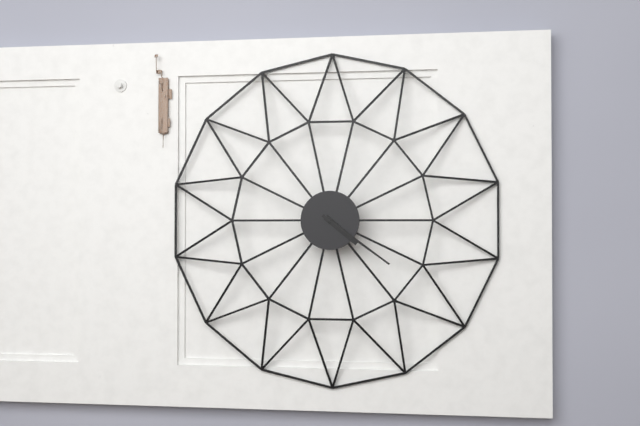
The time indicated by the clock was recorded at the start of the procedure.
4:21
